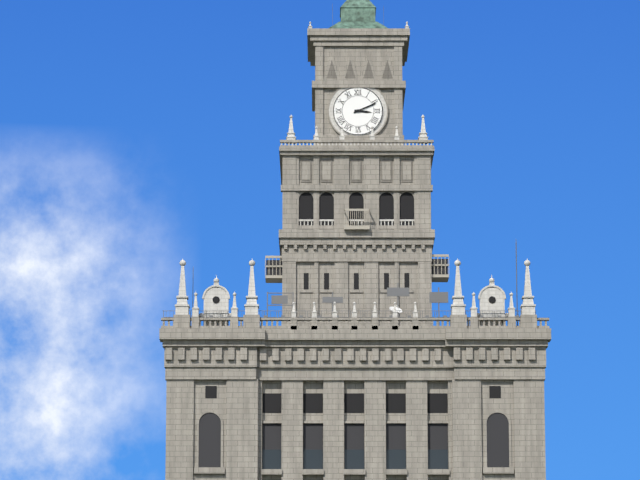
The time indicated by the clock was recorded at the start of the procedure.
3:11
